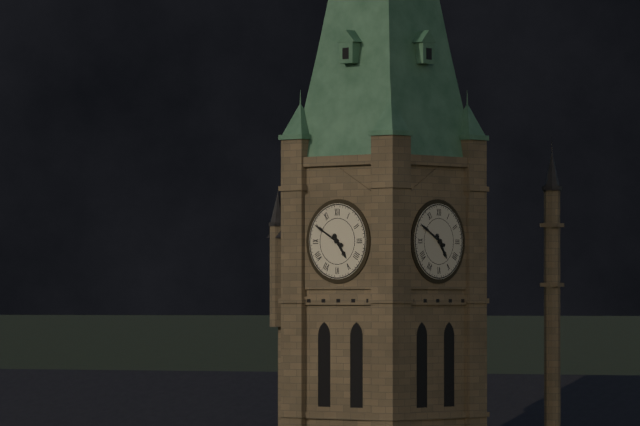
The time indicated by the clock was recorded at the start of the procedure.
4:50
